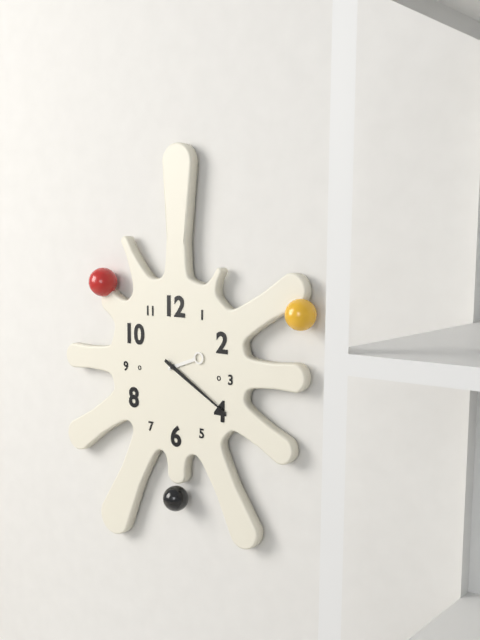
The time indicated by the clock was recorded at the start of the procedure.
2:20
